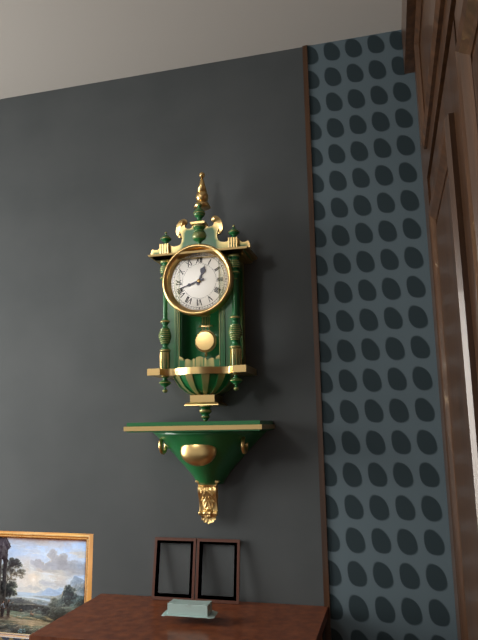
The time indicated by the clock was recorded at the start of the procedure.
12:42
